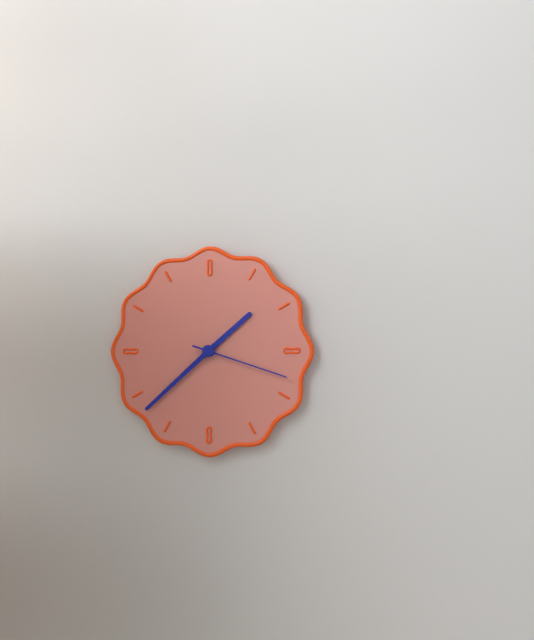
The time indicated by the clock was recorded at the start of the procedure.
1:38:18
